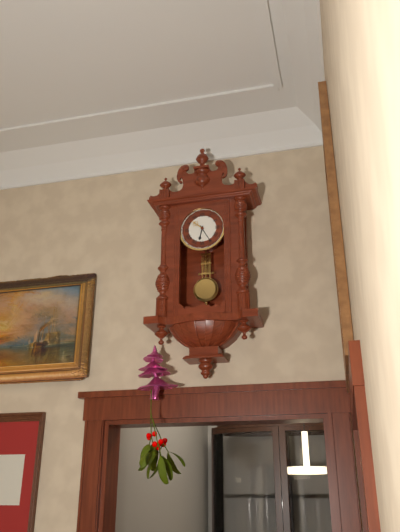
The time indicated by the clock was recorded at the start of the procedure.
6:25
